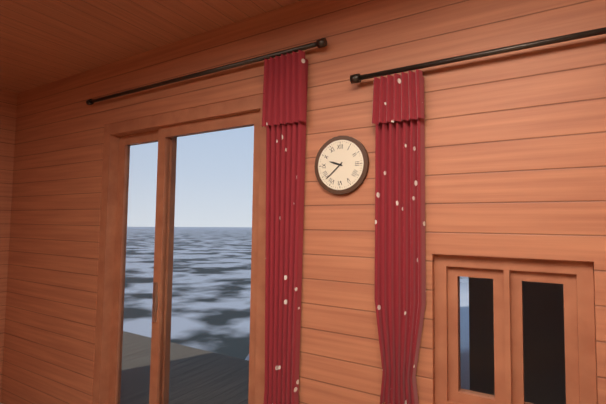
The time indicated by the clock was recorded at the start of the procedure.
9:38
